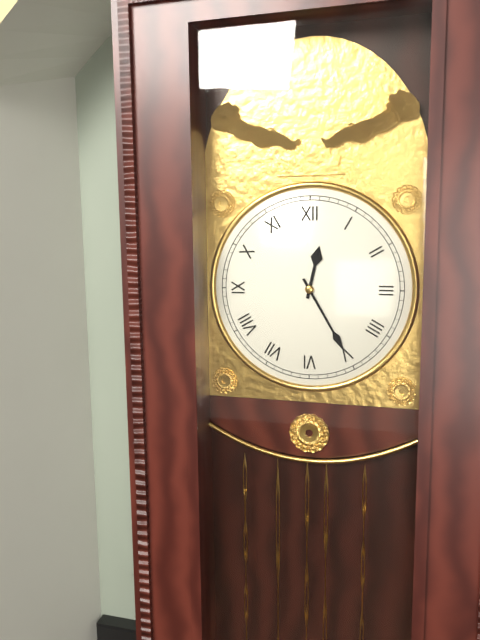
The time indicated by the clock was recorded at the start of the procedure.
12:25
